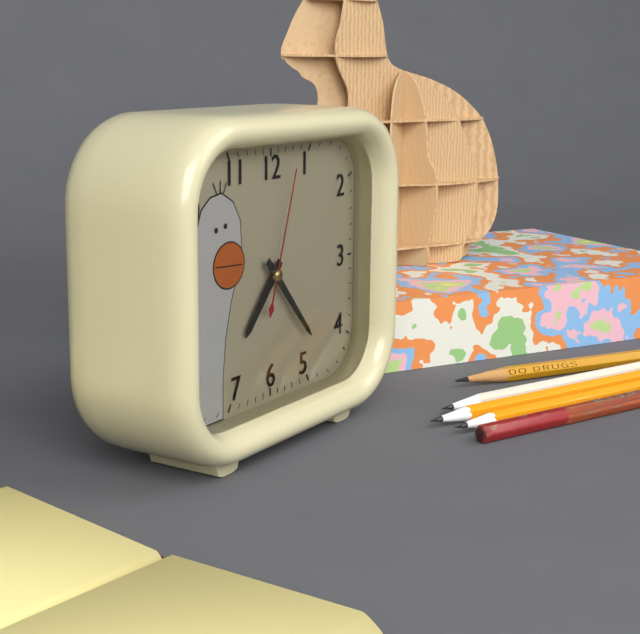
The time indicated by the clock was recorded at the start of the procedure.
7:23:03
